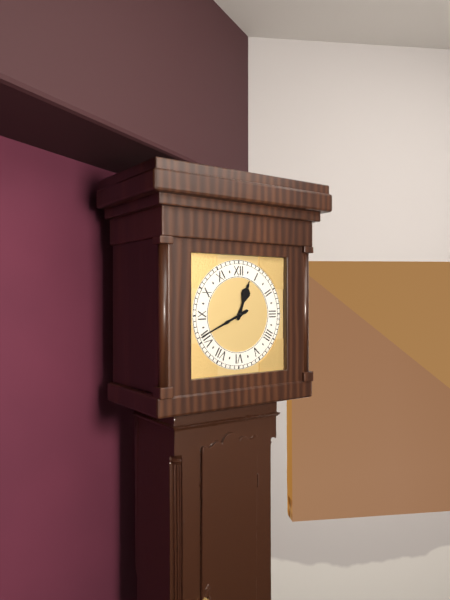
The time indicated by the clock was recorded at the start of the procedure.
12:41
